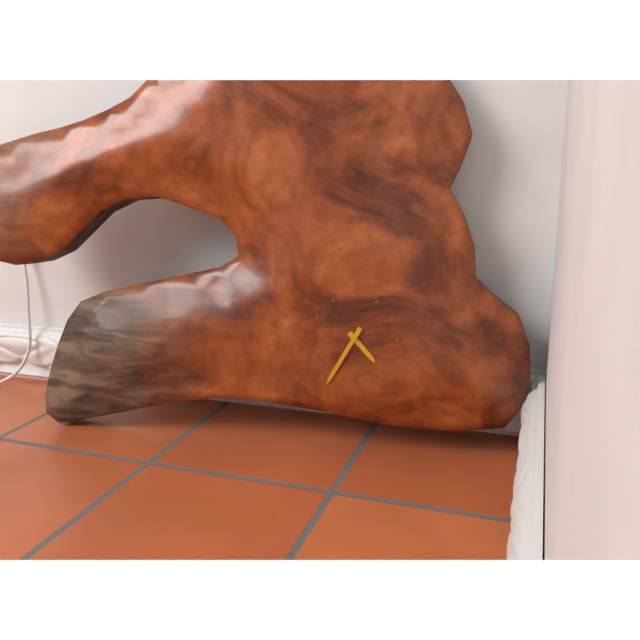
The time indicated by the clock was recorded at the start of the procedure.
4:35
